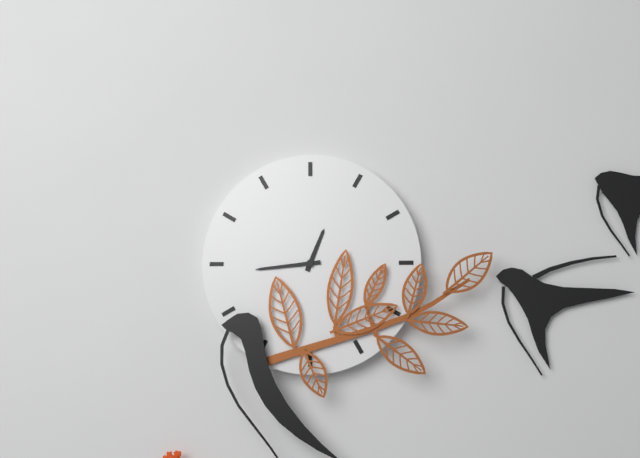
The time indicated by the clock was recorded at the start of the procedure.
12:44
